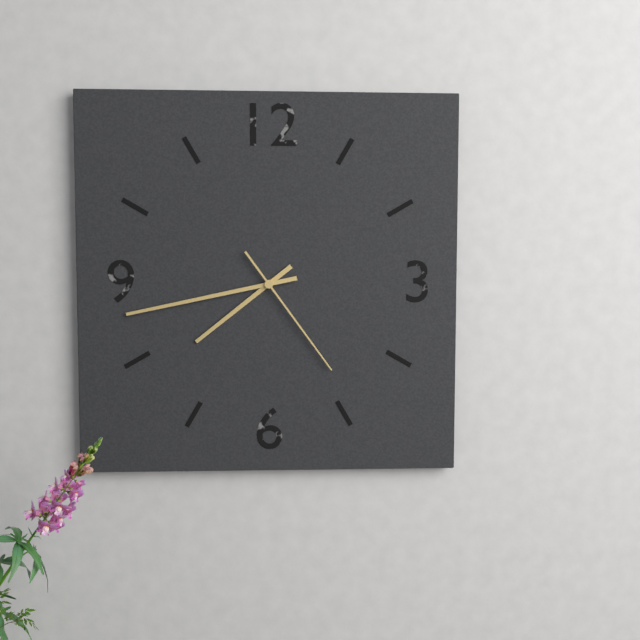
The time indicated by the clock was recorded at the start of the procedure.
7:43:24
